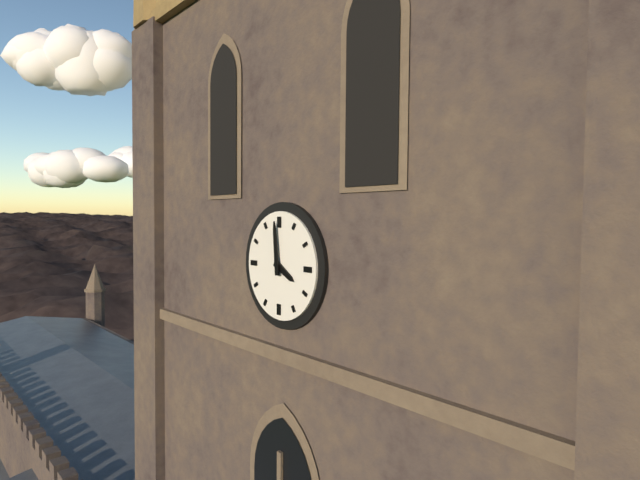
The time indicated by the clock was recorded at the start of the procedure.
3:59
